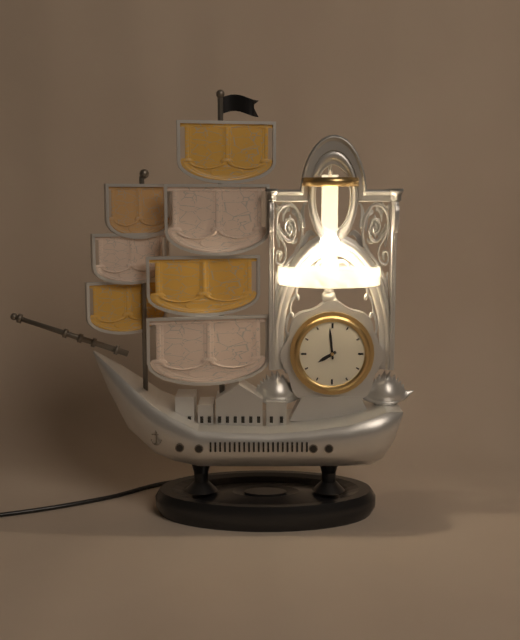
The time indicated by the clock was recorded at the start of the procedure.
7:59
